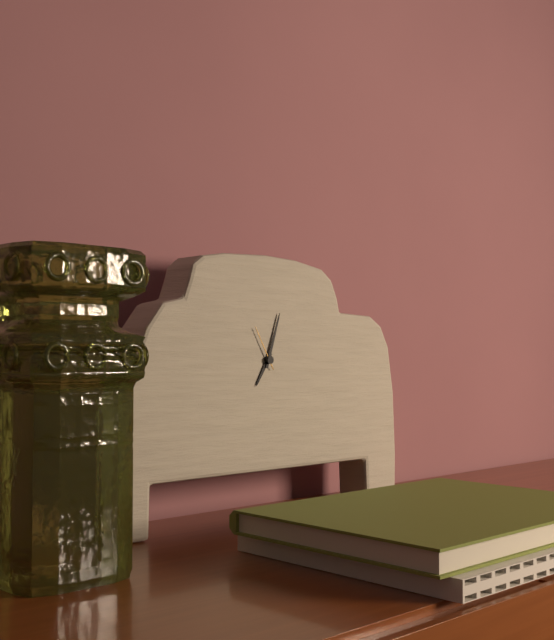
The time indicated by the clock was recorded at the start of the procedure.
7:03
